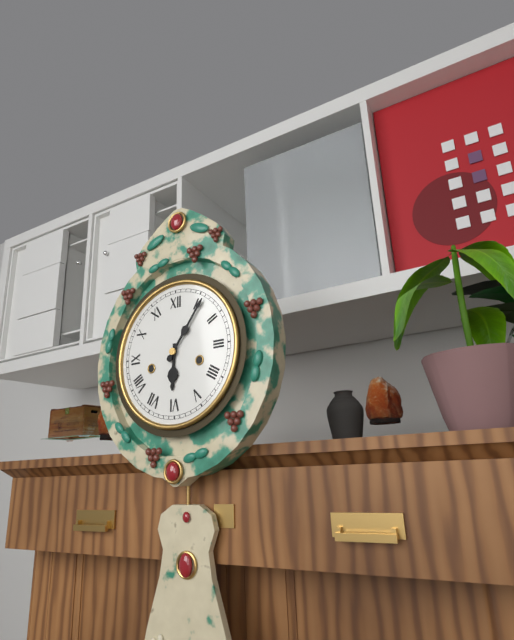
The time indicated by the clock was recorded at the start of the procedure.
6:06
